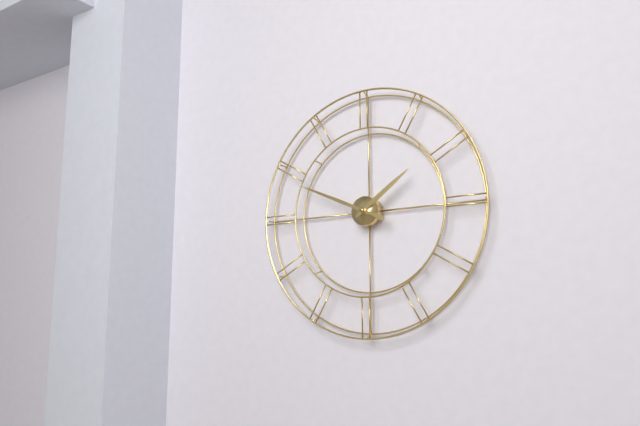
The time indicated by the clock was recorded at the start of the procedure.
1:49
